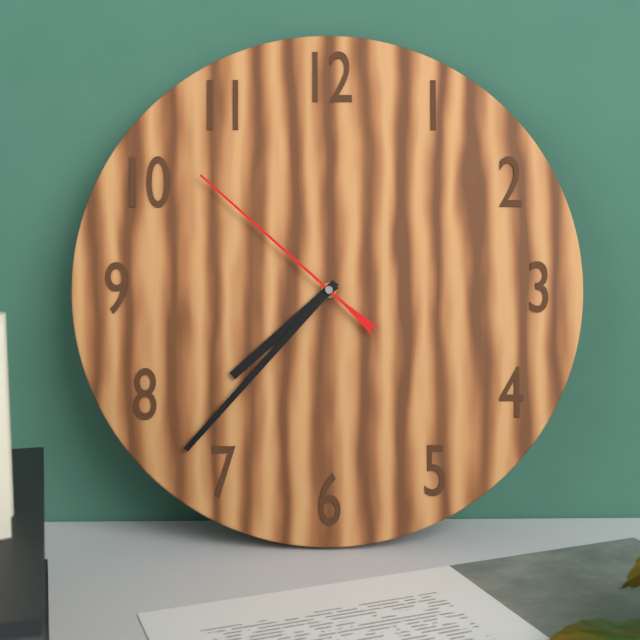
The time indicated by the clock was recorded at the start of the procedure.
7:37:52
